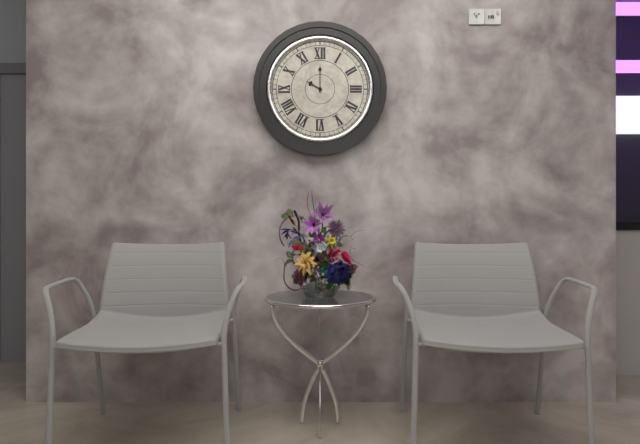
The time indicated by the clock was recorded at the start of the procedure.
10:00
